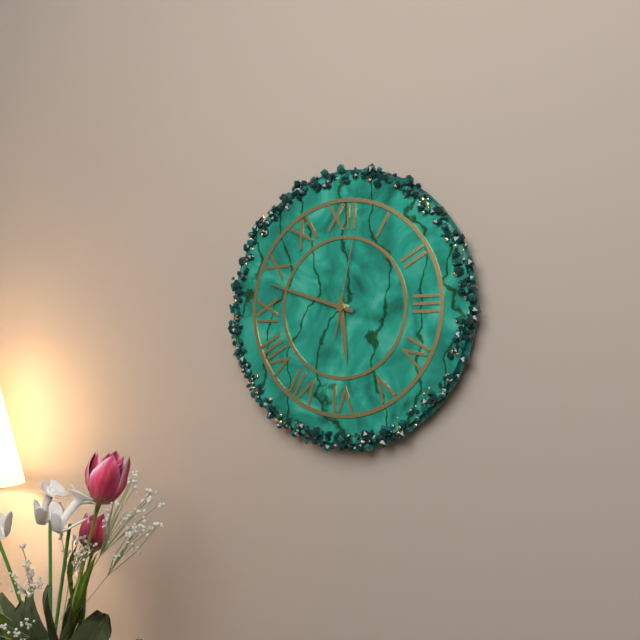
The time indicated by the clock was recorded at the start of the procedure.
5:48:02
